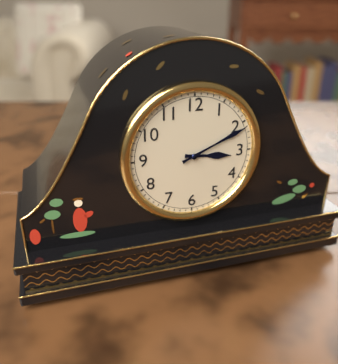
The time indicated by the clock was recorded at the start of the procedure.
3:11
